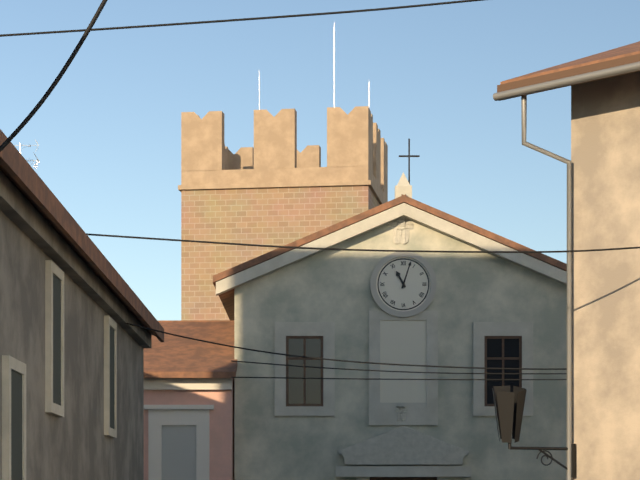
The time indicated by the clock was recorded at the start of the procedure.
11:03
